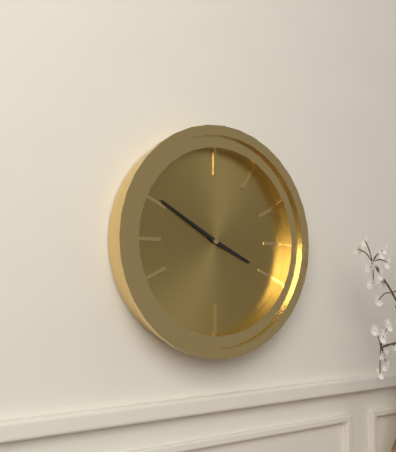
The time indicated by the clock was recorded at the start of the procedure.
3:50
